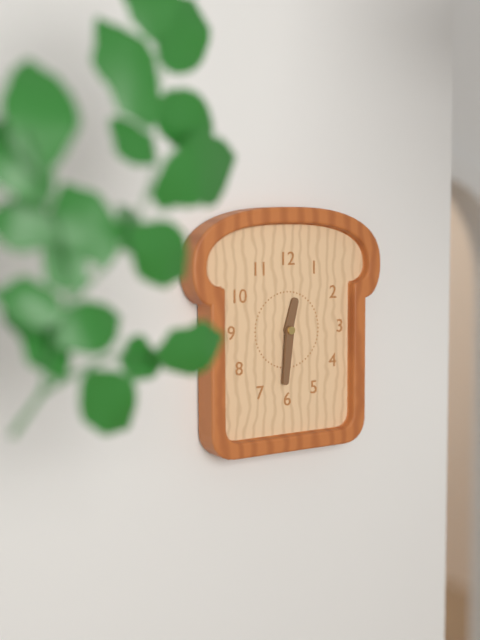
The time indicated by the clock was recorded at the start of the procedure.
12:31
